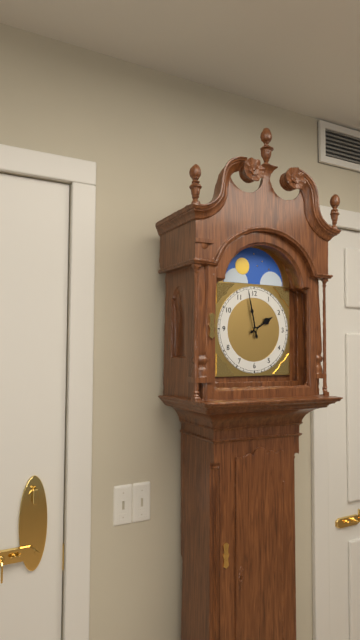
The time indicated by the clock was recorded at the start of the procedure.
1:58
